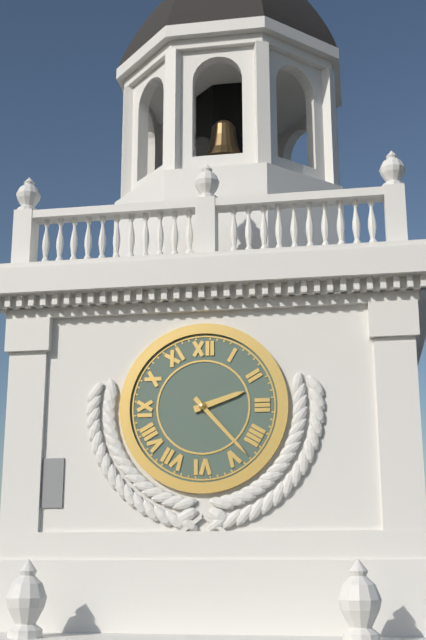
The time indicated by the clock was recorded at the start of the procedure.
2:23
